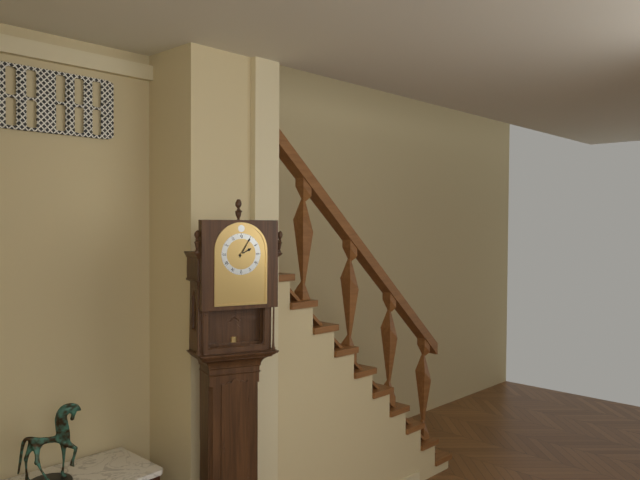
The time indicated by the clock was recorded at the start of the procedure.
2:05
